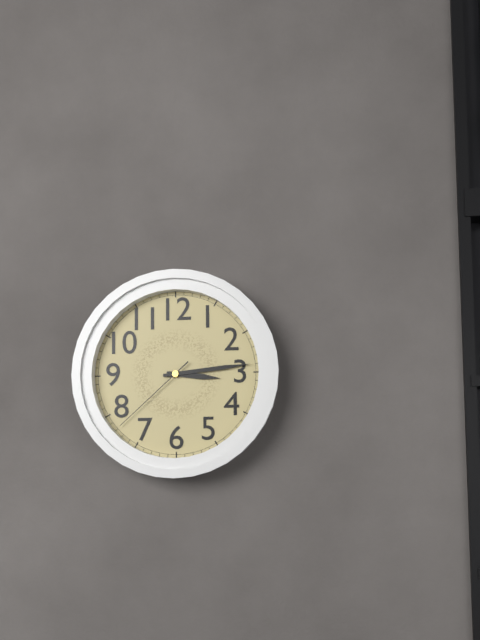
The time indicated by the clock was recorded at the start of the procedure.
3:14:38
